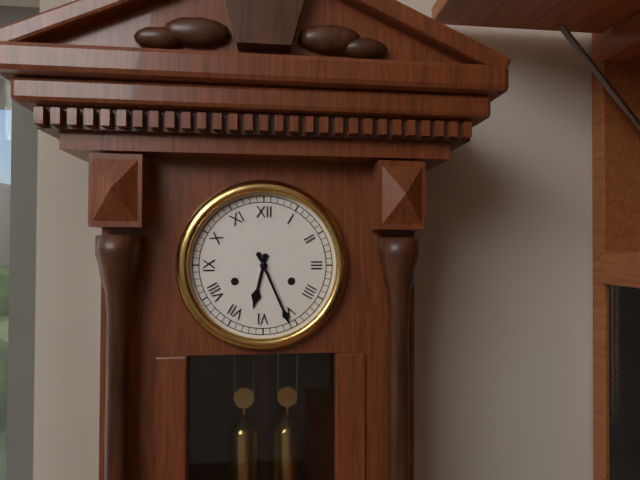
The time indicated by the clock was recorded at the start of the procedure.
6:26
